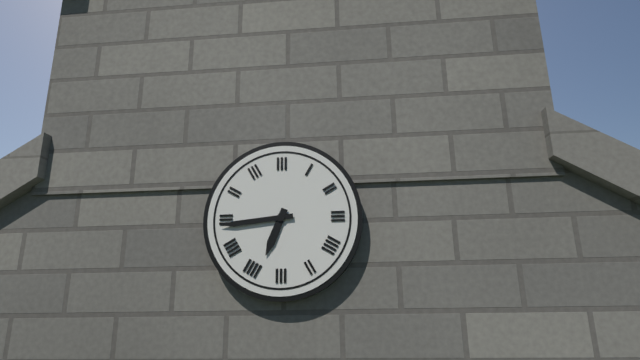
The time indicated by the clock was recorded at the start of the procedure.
6:44
